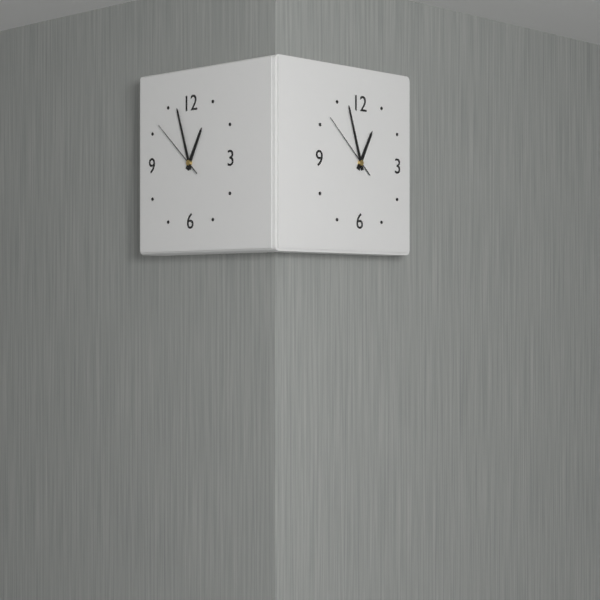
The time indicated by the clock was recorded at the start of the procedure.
12:57:52
